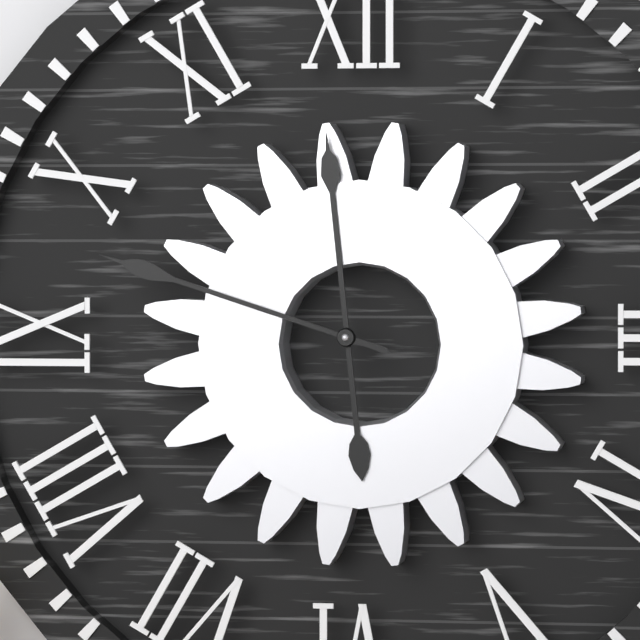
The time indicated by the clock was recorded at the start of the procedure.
11:48
